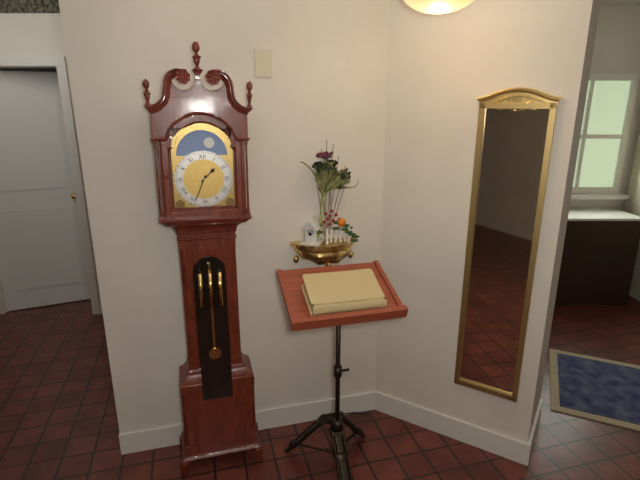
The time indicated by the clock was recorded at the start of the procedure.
1:34
